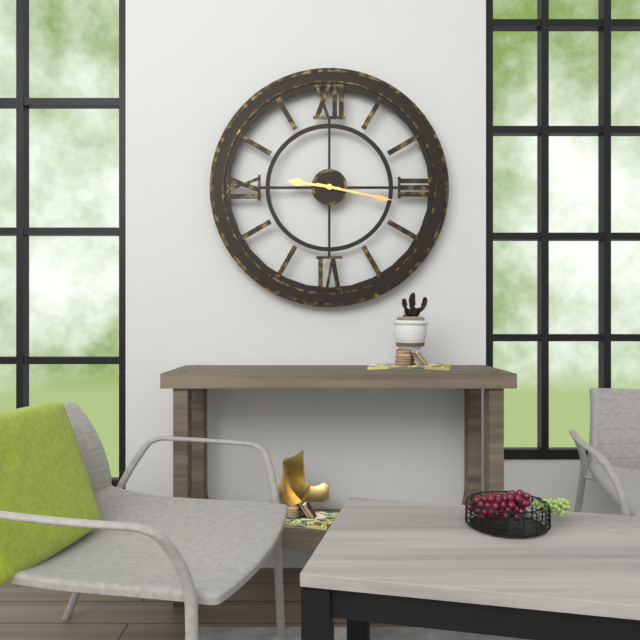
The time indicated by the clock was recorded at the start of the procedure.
9:17
